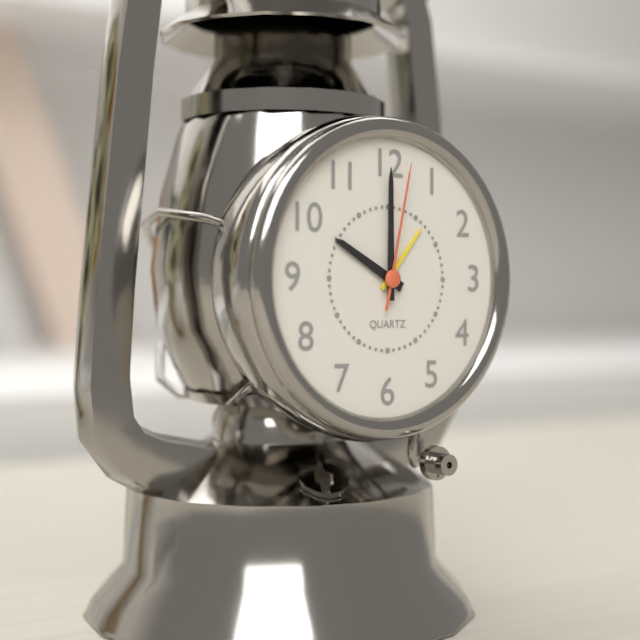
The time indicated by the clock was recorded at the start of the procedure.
10:00:02
